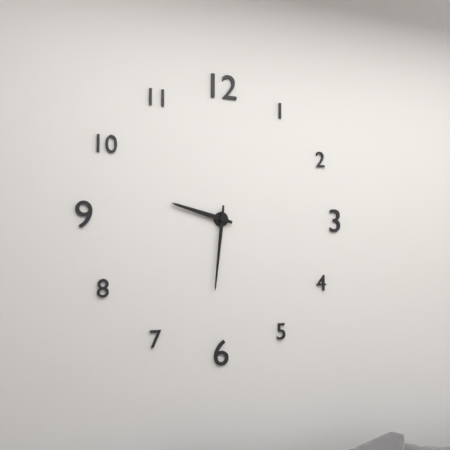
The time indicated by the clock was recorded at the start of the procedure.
9:31
